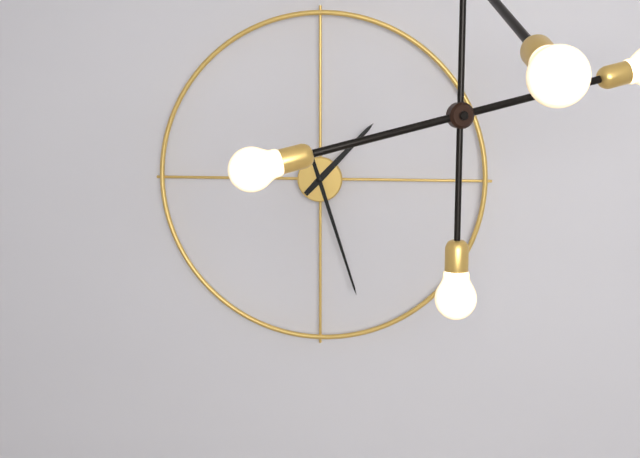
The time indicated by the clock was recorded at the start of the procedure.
1:27
